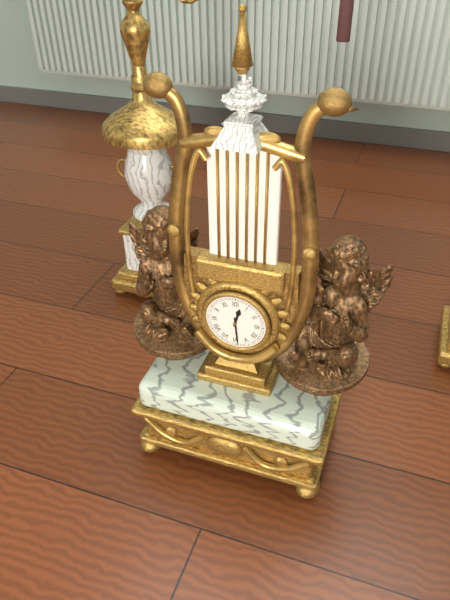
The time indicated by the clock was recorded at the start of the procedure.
12:29
